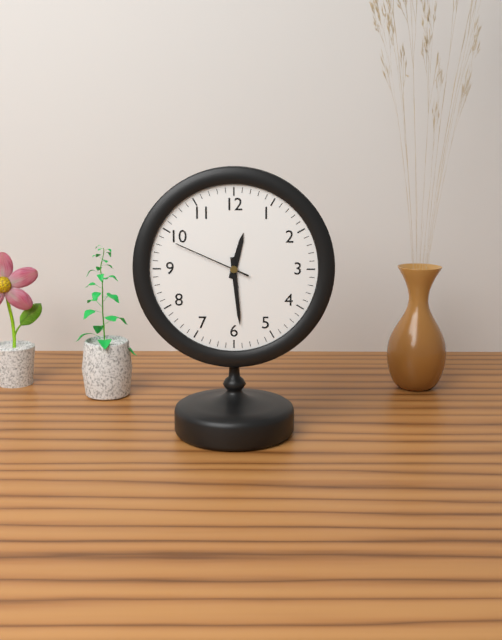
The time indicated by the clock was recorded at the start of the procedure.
12:29:49
